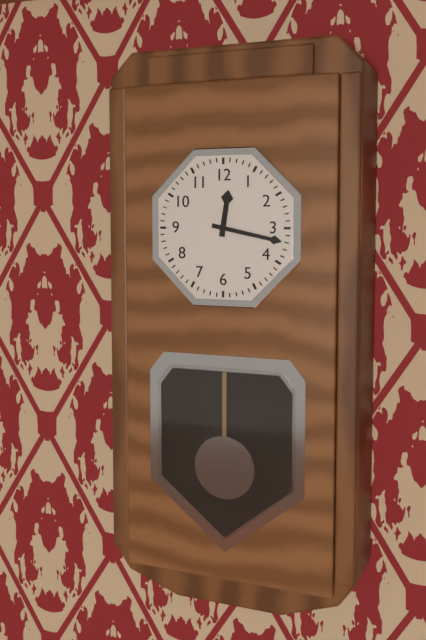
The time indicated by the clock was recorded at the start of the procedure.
12:17
